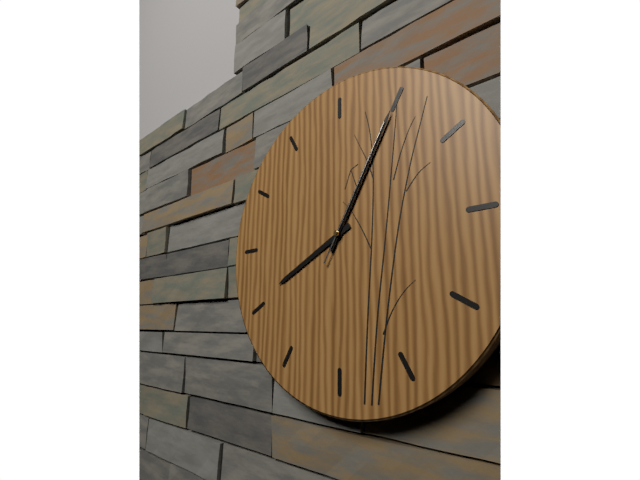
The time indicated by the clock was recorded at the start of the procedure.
8:05:05
